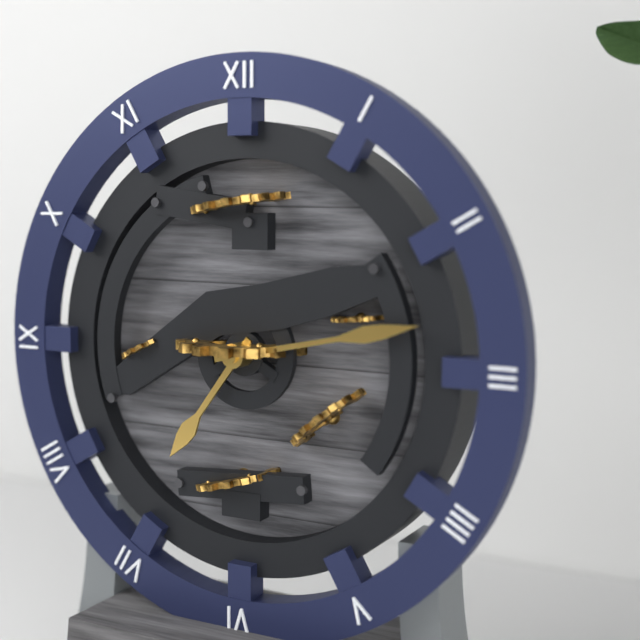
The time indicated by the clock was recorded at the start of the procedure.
7:13
